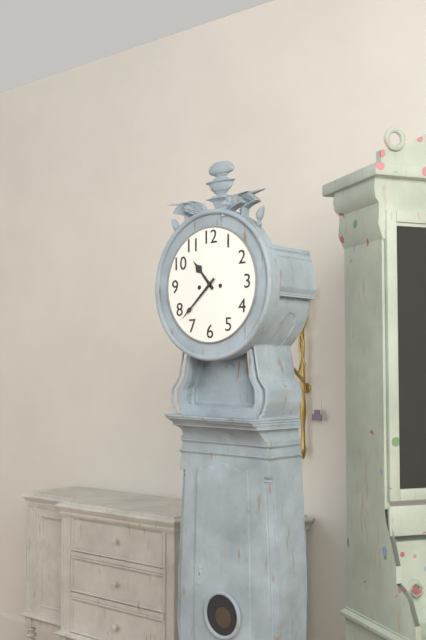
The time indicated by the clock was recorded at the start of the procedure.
10:38
